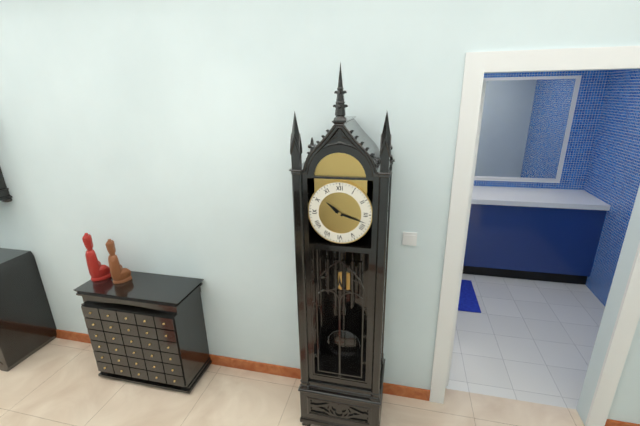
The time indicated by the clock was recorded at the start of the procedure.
10:18
